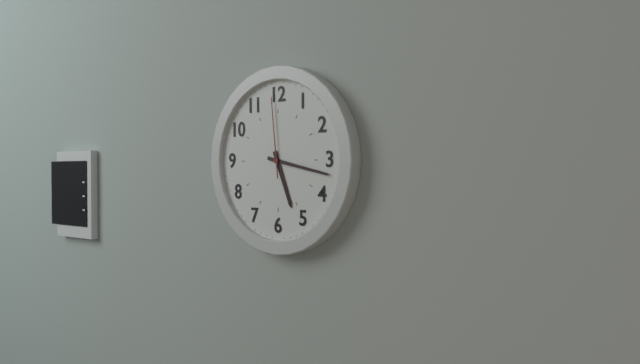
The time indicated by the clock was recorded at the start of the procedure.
5:17:59
